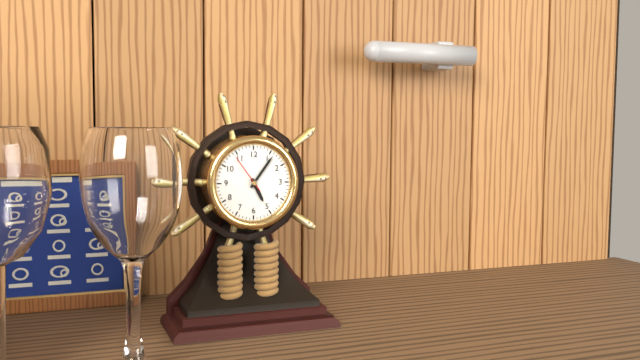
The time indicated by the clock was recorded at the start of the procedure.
5:06
